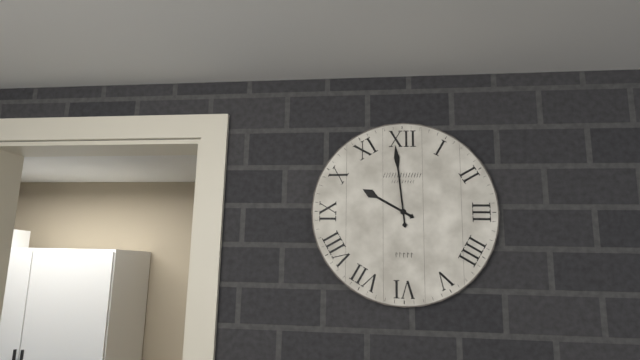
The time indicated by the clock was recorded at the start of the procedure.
9:59
